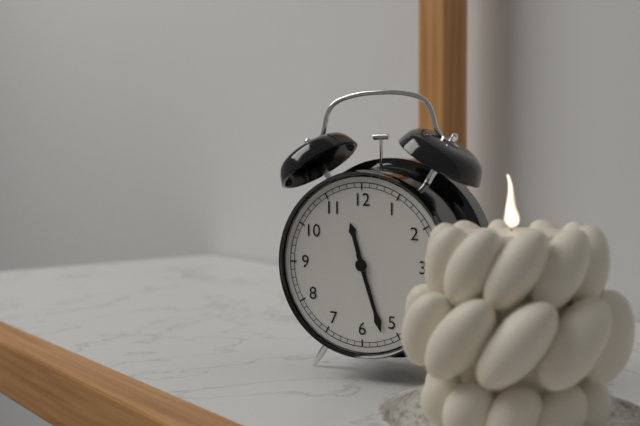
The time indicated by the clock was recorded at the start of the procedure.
11:27
